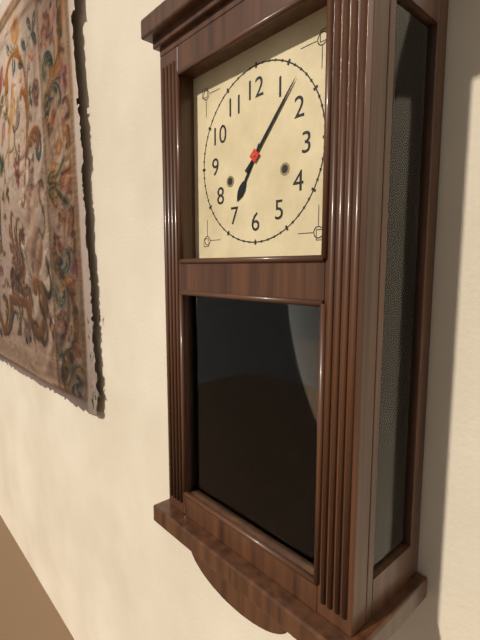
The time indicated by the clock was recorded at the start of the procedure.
7:07
